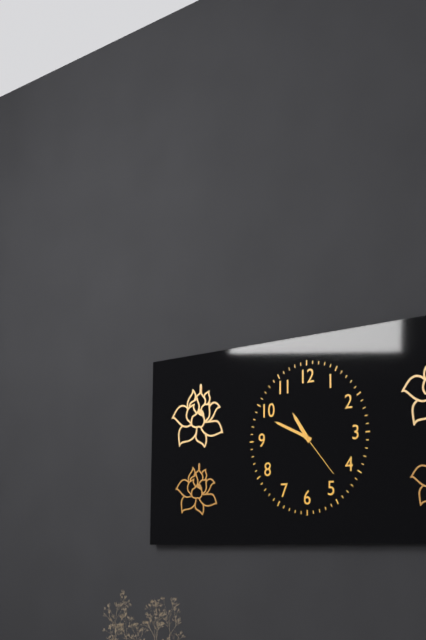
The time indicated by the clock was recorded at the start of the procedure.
10:49:23
